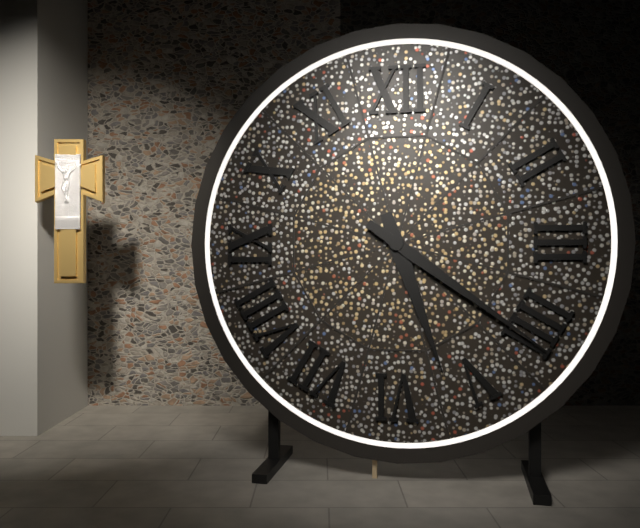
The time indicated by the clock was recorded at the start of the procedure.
5:21
